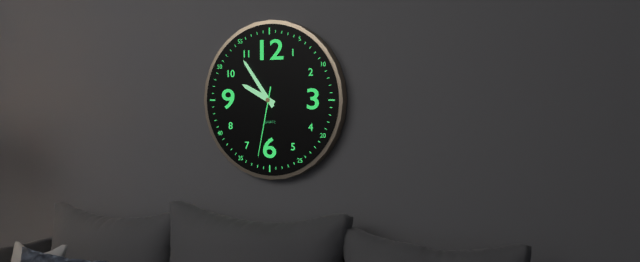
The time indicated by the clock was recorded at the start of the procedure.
9:54:32
